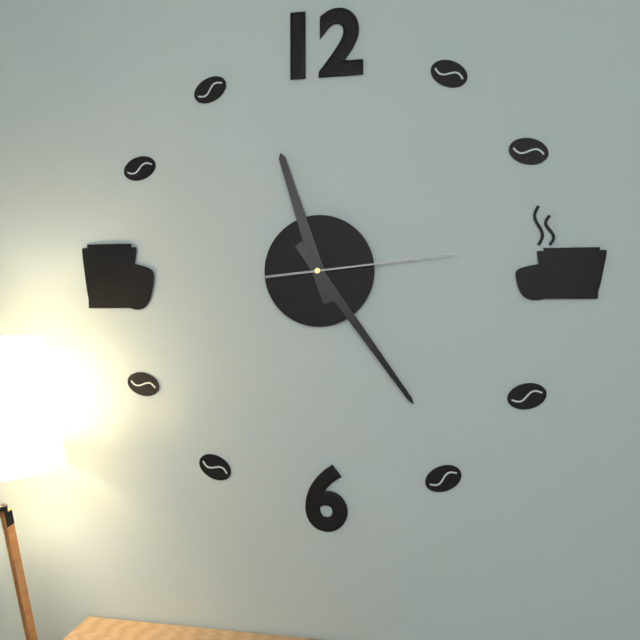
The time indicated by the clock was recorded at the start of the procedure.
11:24:14
